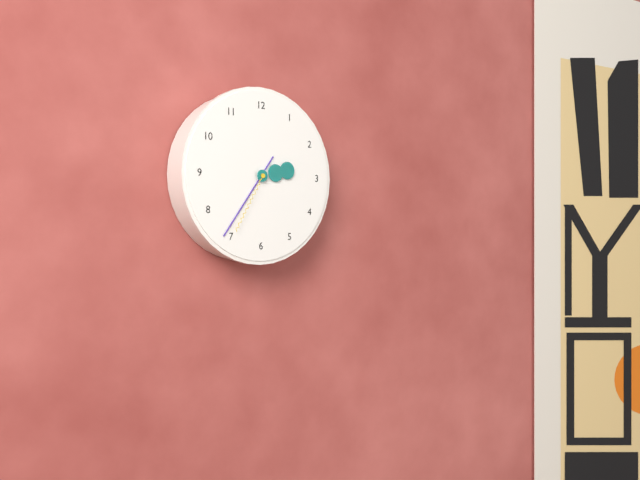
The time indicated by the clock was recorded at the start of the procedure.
2:36:35
